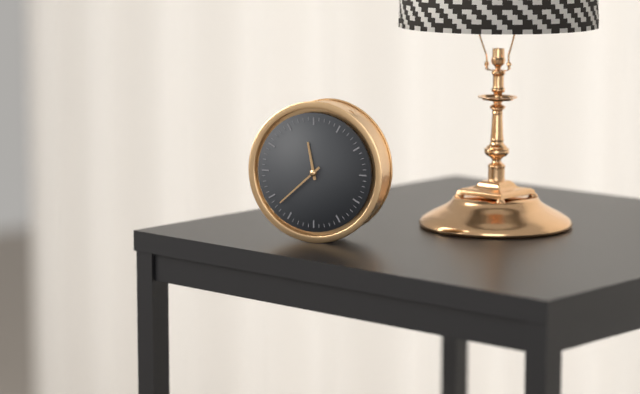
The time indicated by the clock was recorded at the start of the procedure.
11:38
